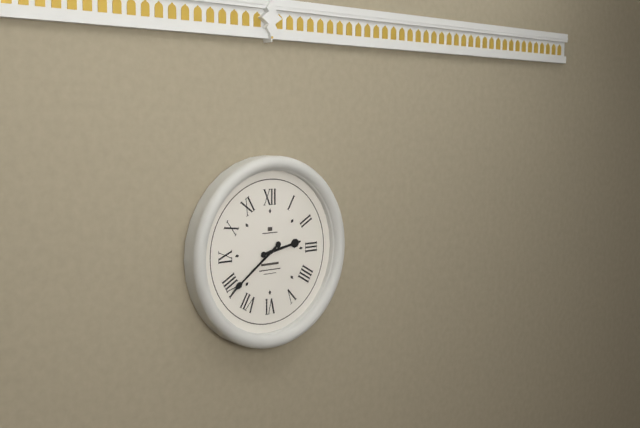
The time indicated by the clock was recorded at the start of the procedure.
2:39
